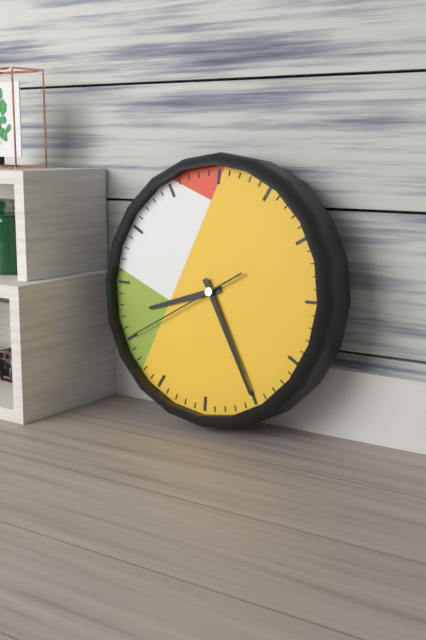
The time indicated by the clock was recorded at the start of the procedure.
8:25:40
